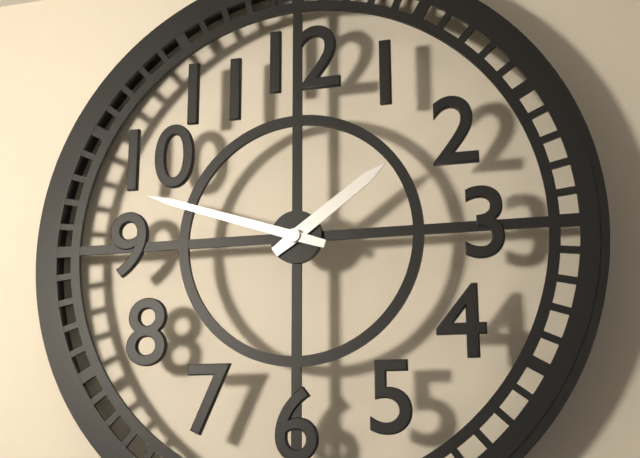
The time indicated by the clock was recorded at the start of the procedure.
1:48
